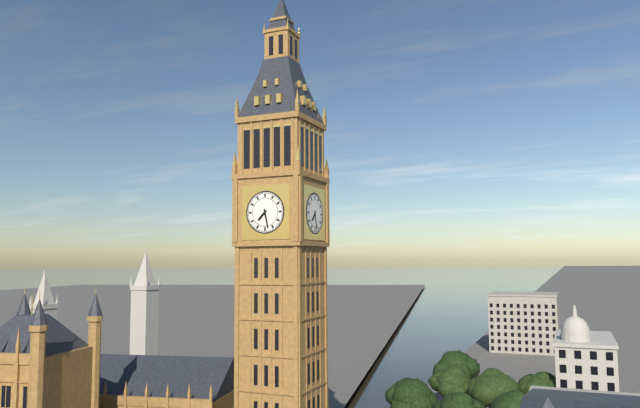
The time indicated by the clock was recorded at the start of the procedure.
7:28
